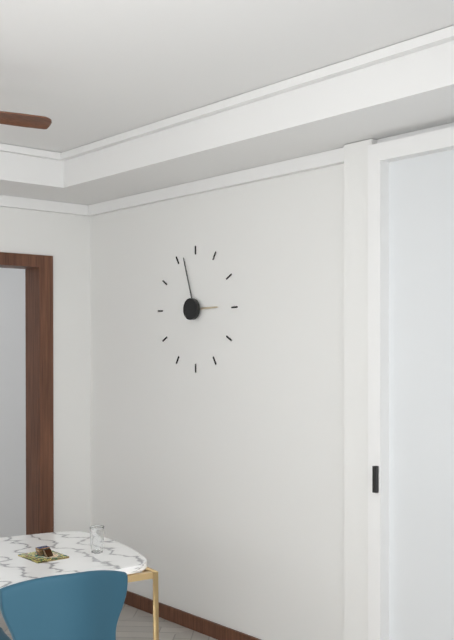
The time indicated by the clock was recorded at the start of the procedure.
2:57
